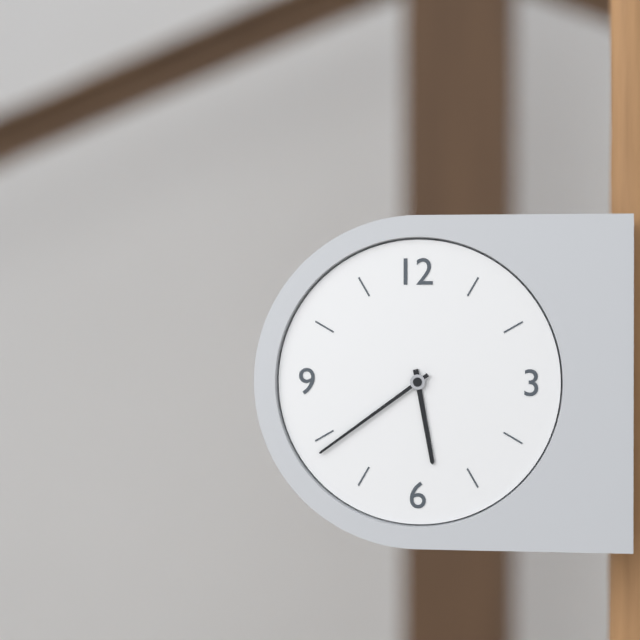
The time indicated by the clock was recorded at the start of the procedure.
5:39
